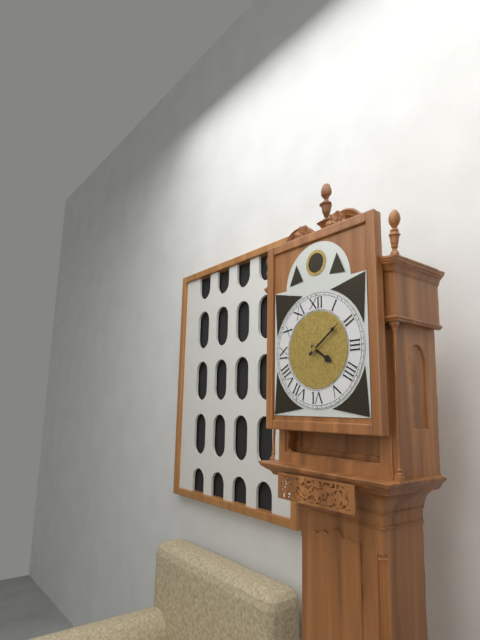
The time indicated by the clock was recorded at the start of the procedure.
4:09
